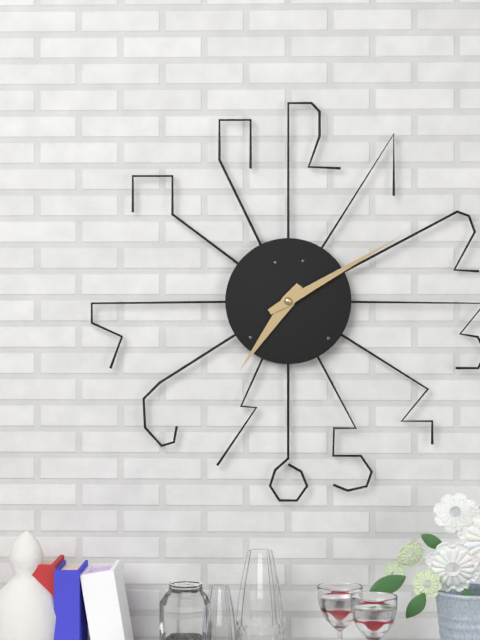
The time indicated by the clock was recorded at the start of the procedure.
7:10
